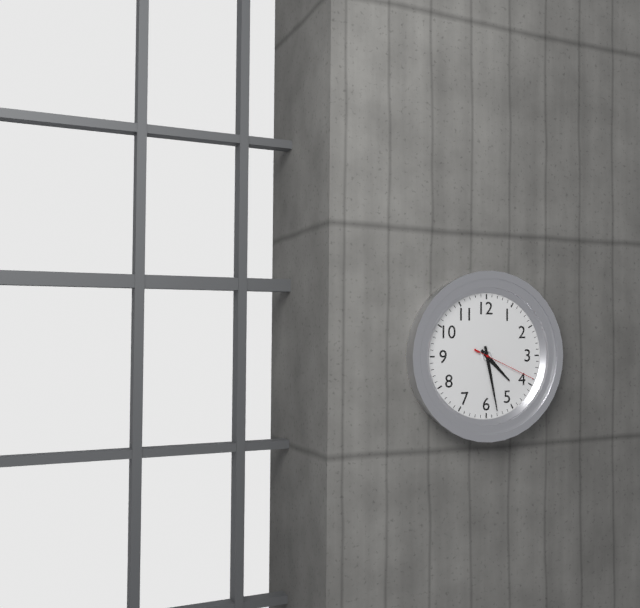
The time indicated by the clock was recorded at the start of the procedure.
4:28:19
